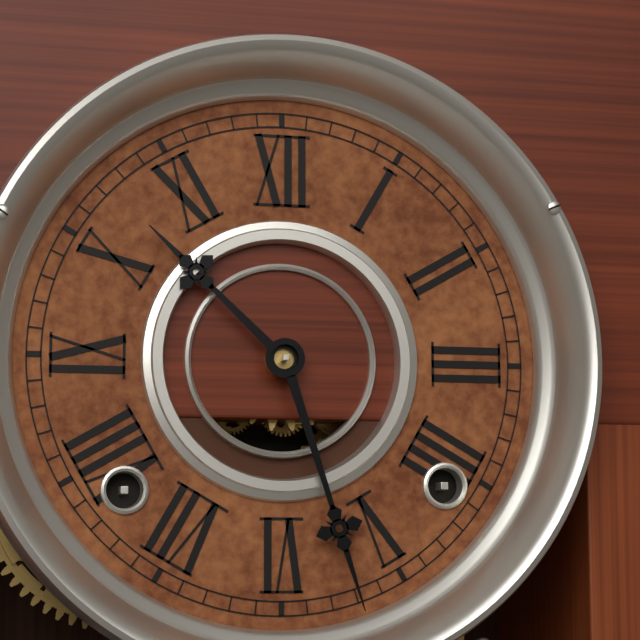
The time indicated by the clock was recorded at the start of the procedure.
10:27
